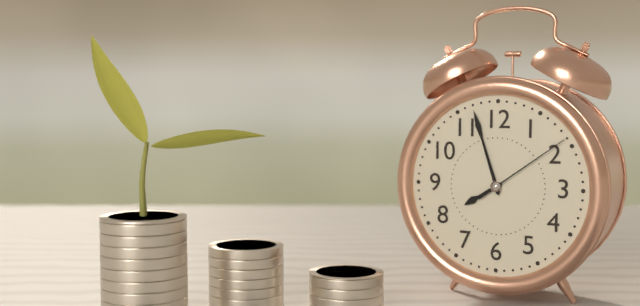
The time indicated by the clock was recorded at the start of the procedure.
7:57:09
